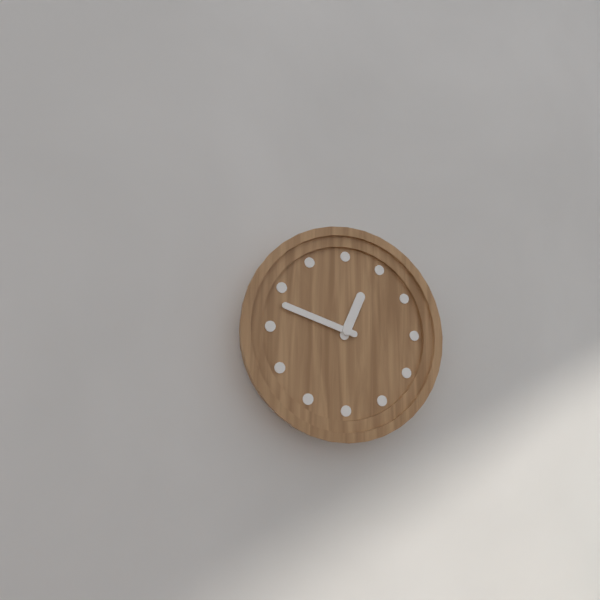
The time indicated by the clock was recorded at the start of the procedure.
12:48
